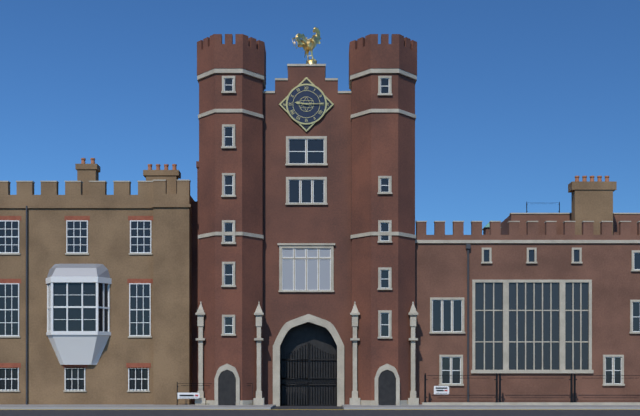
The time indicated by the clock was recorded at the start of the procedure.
9:15
